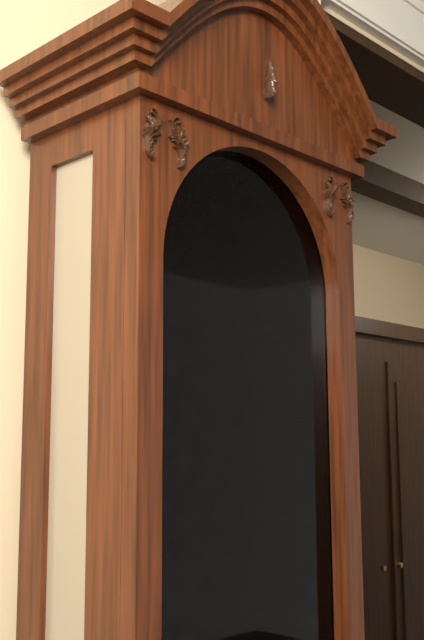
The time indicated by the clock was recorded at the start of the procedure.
1:08
